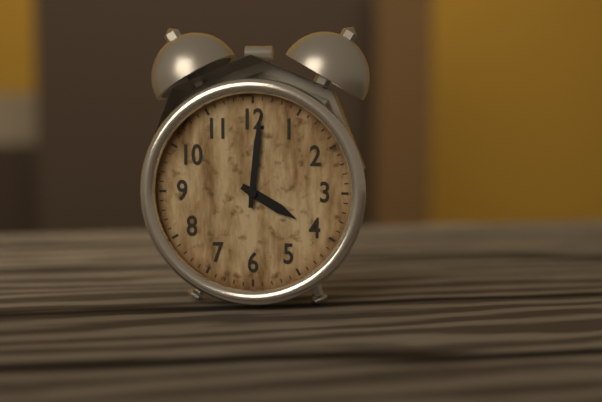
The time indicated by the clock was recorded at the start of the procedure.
4:01
